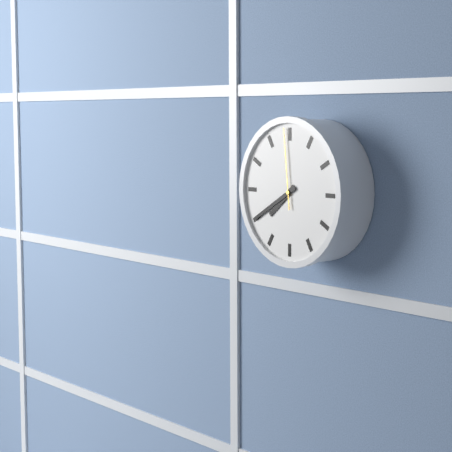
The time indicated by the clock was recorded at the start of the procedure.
7:40:59
